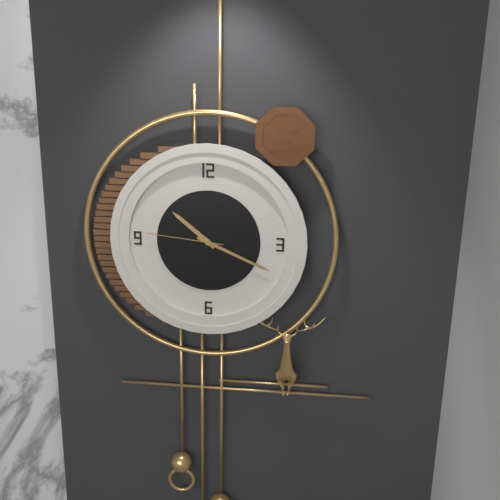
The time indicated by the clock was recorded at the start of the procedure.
10:19:46
